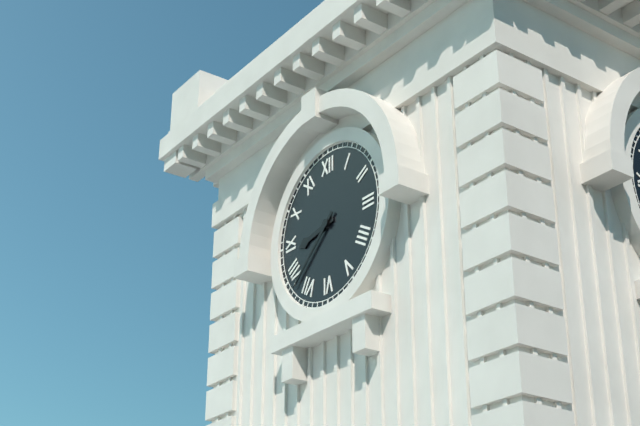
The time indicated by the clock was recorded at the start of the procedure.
8:38
